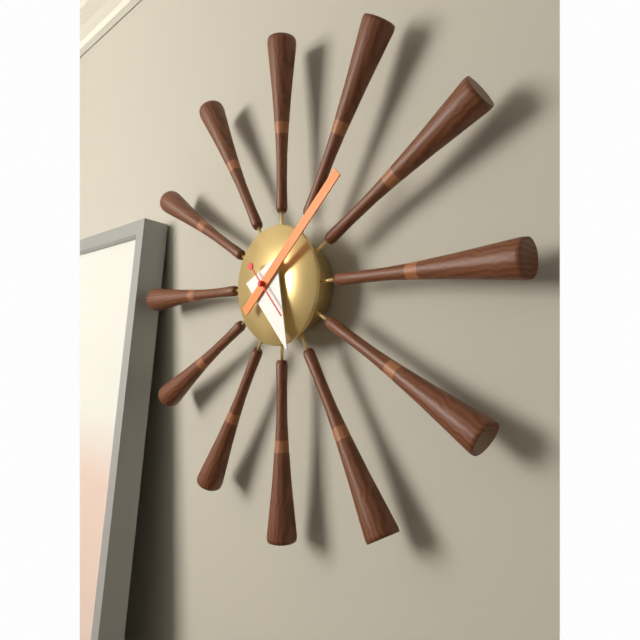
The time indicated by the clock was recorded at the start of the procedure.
5:08
